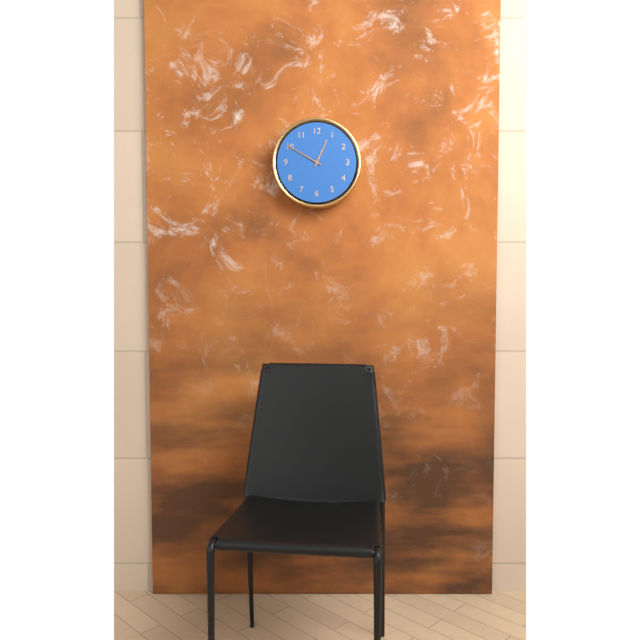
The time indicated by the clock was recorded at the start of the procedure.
12:50
